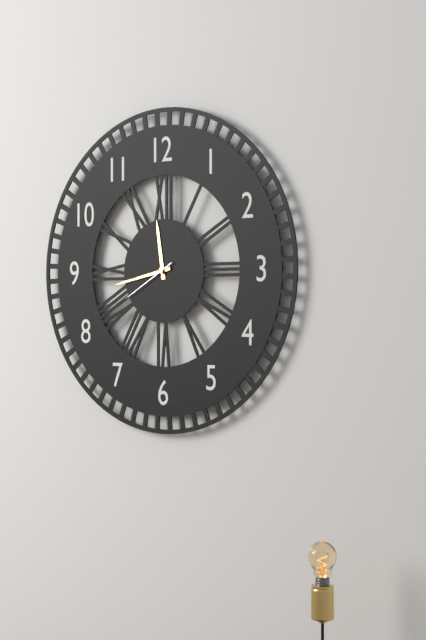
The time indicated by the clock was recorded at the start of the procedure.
11:43:40
